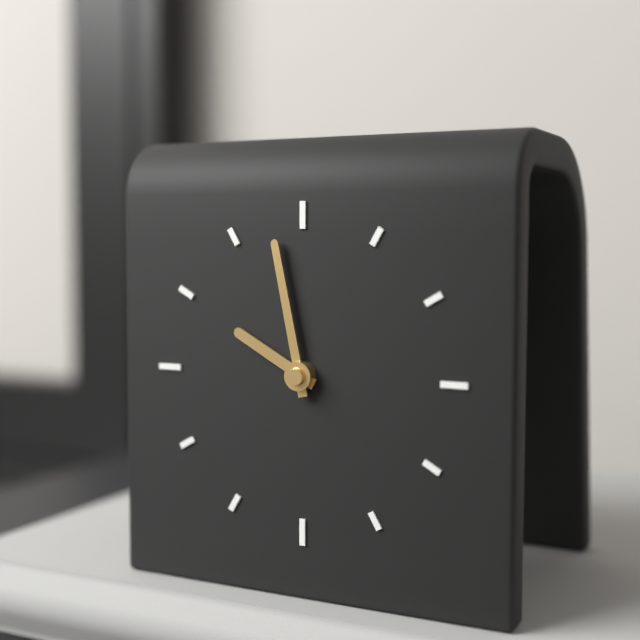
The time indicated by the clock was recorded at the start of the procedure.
9:58
